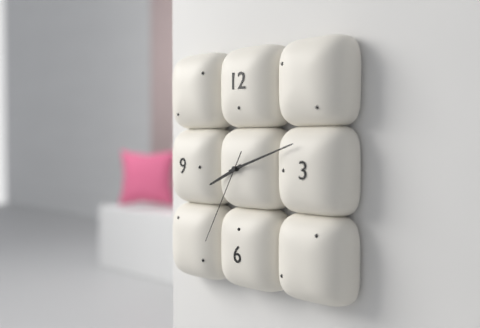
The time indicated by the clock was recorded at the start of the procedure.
8:12:35
